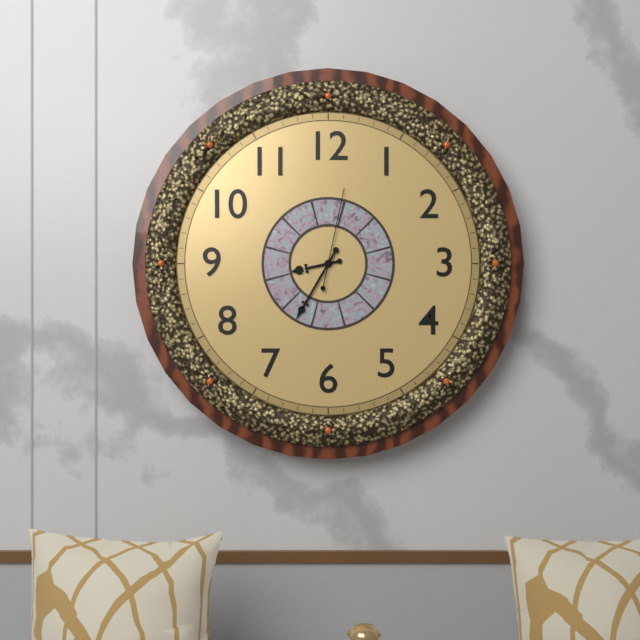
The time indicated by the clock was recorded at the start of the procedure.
8:35:02
